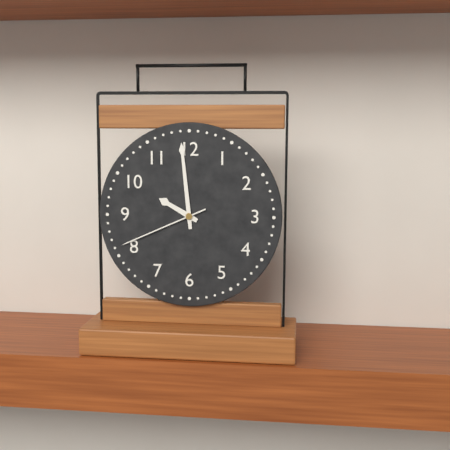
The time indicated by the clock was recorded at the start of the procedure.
9:59:41
